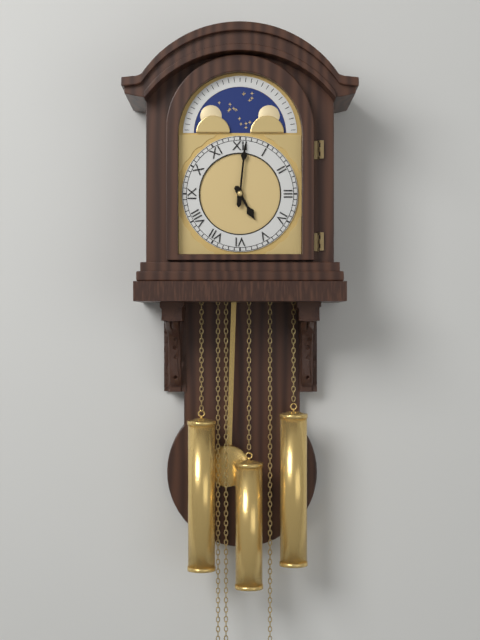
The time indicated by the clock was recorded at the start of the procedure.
5:01
